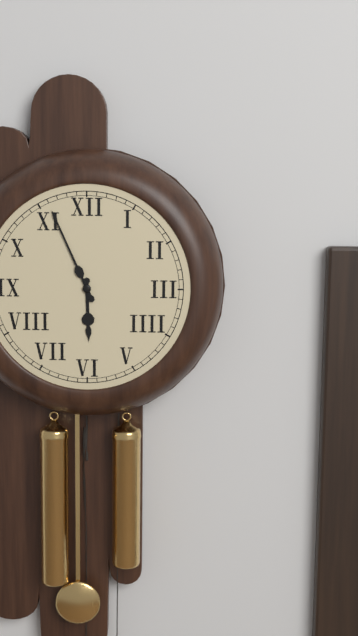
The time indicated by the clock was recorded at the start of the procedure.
5:56
